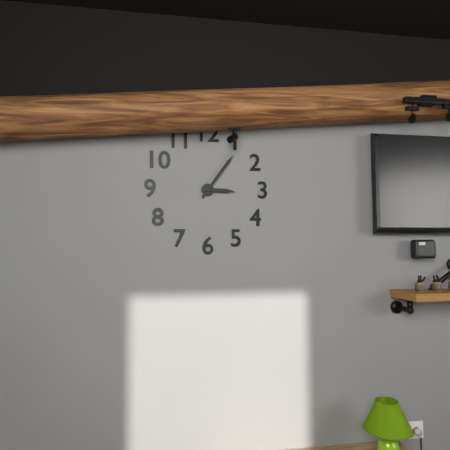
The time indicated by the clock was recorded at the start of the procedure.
3:06
